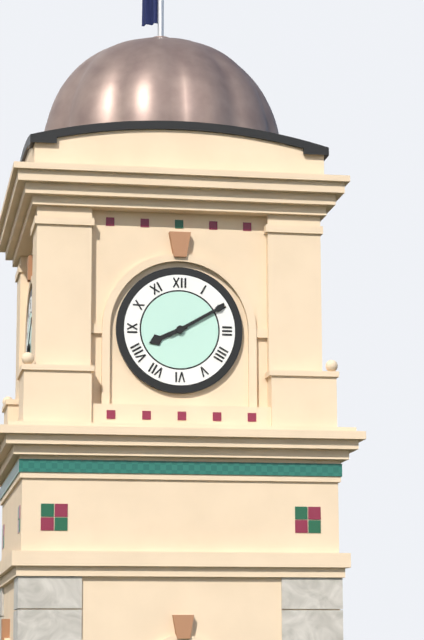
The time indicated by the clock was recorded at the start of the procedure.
8:10
